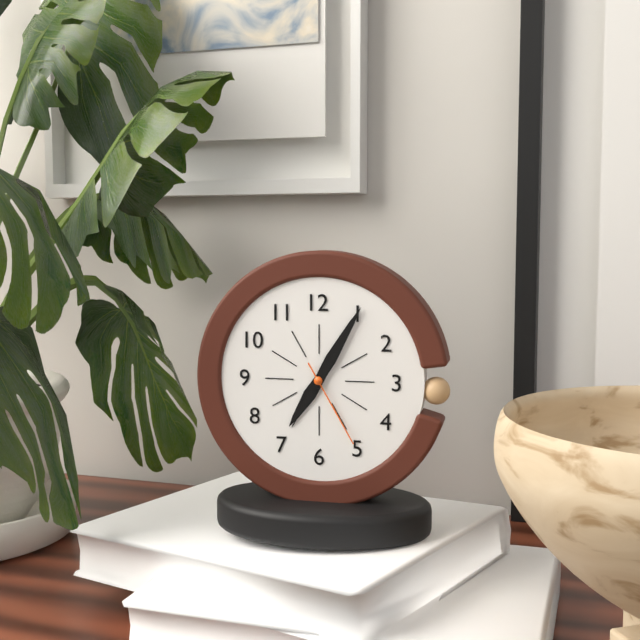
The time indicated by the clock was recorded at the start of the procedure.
7:05:25
